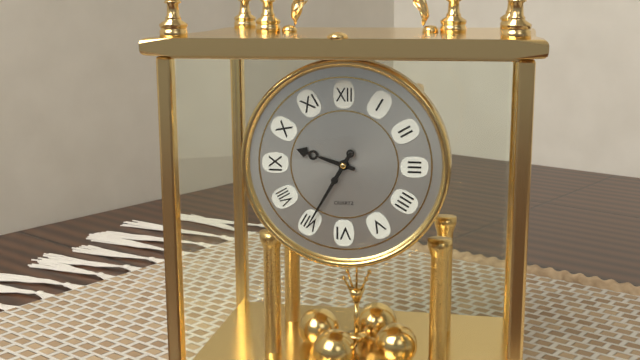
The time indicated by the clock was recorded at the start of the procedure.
9:35
